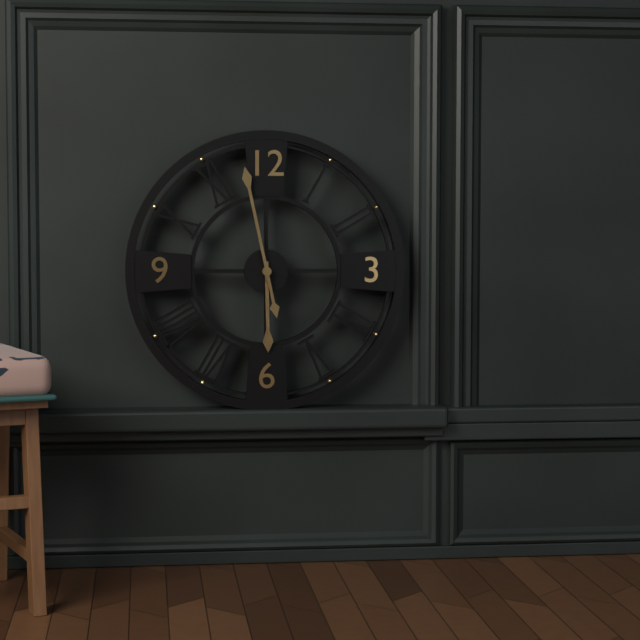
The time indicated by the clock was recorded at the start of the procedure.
5:58
